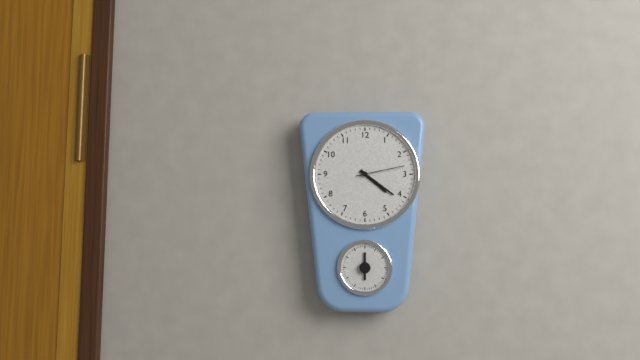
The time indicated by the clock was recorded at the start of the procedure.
4:21:13
